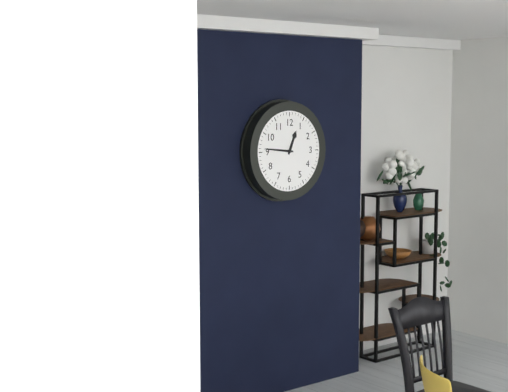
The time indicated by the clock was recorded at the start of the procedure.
12:46
